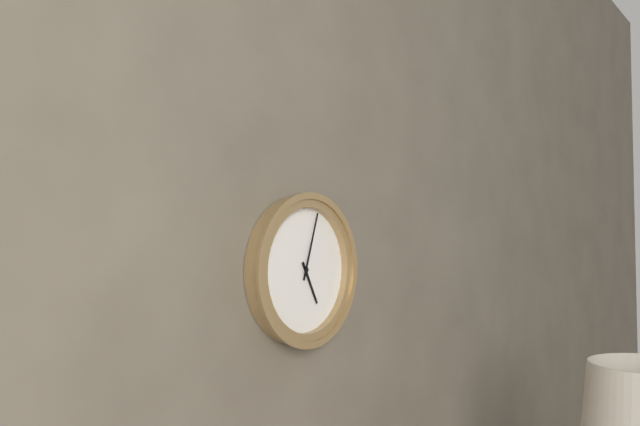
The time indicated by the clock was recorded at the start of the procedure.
5:03
